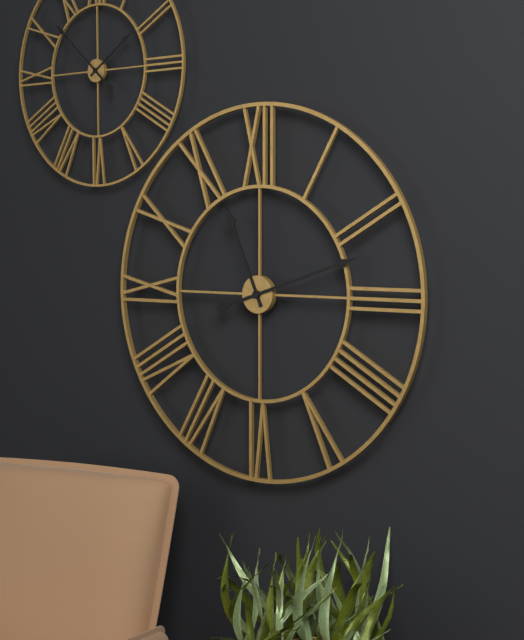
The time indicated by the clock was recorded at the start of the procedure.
11:12
